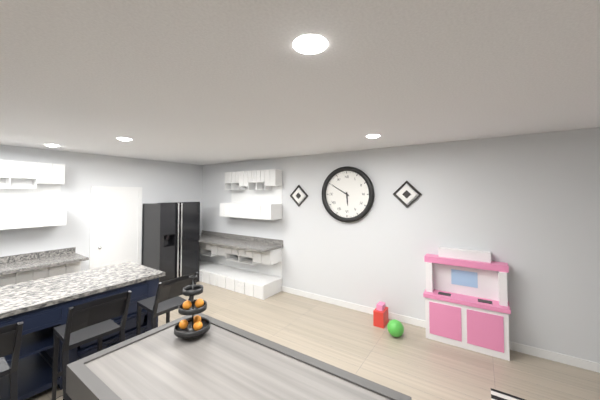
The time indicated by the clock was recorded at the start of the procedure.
5:50
